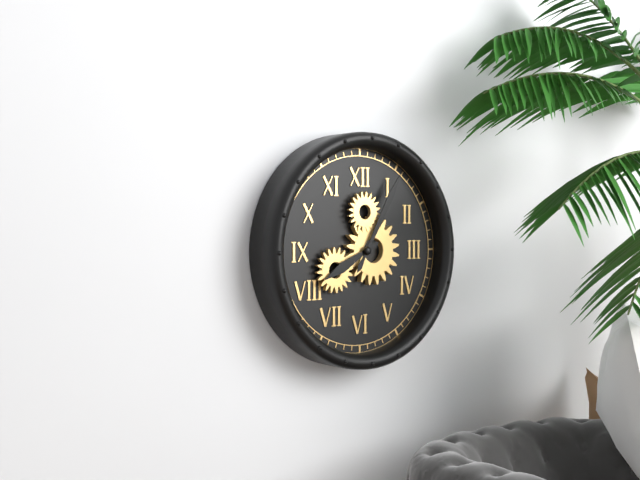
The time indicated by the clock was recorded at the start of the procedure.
8:05
